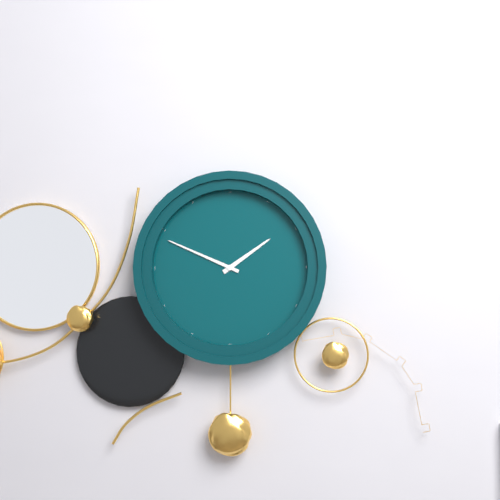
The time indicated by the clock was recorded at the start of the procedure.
1:49
